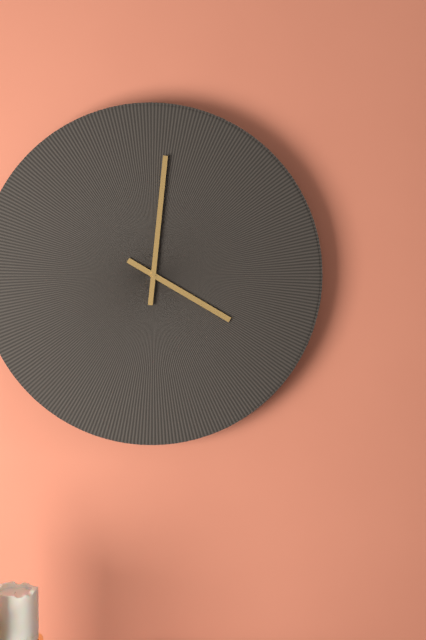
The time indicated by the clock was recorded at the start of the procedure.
4:01
